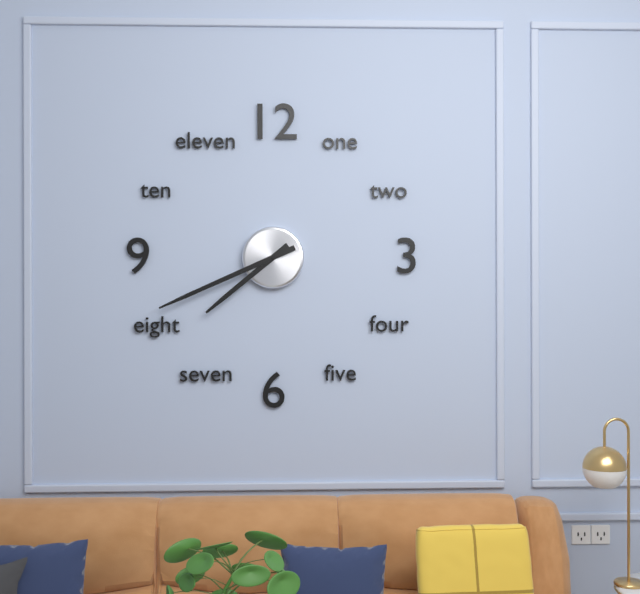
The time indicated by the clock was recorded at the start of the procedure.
7:41
